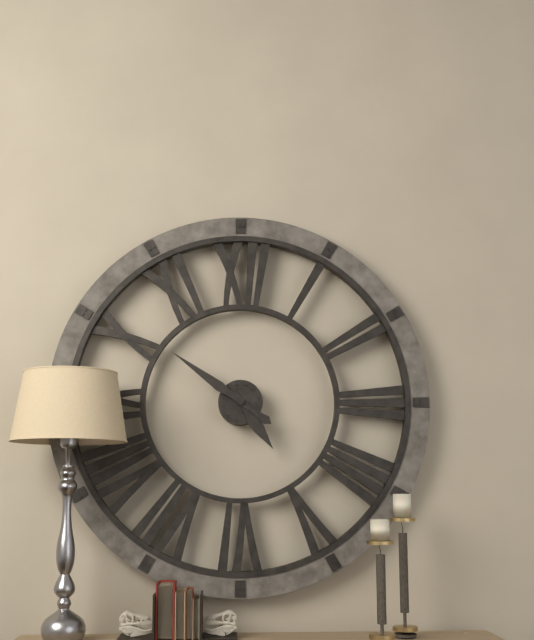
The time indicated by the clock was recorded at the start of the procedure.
4:51
